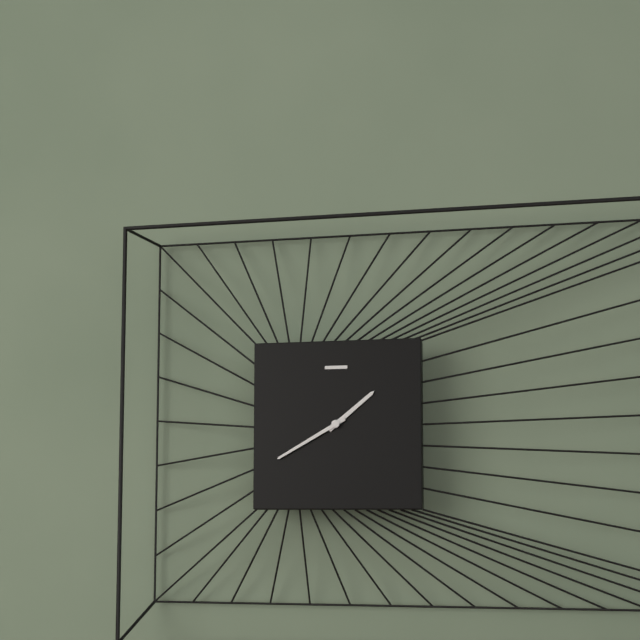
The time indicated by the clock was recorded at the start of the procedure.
1:40
